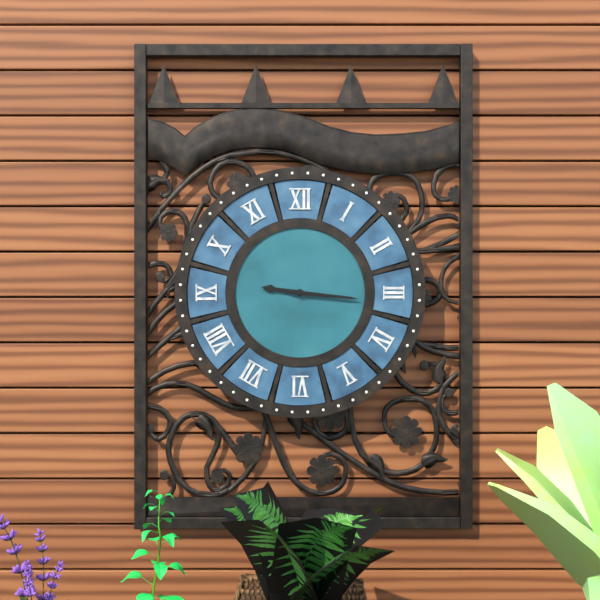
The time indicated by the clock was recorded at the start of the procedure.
9:16
